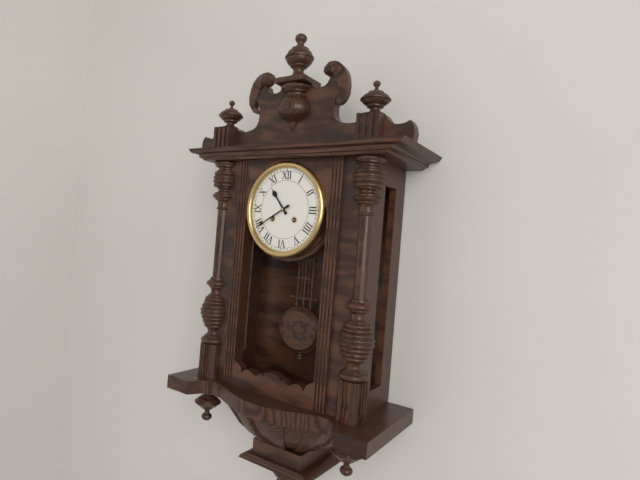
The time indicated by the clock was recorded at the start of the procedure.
10:40
